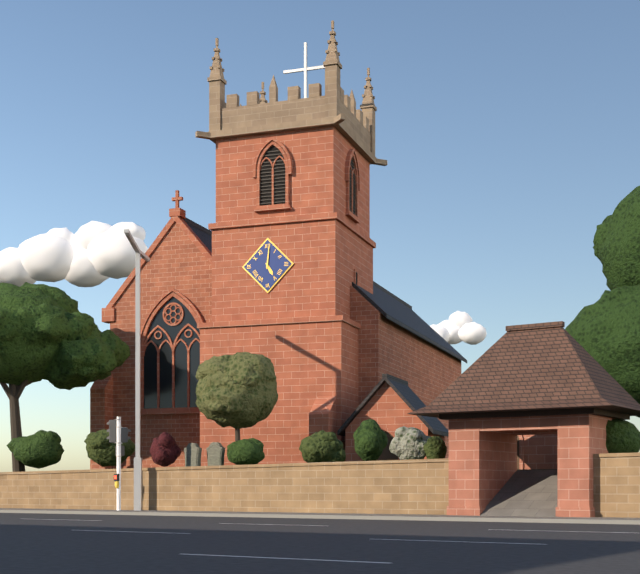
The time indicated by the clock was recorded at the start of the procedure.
5:01
